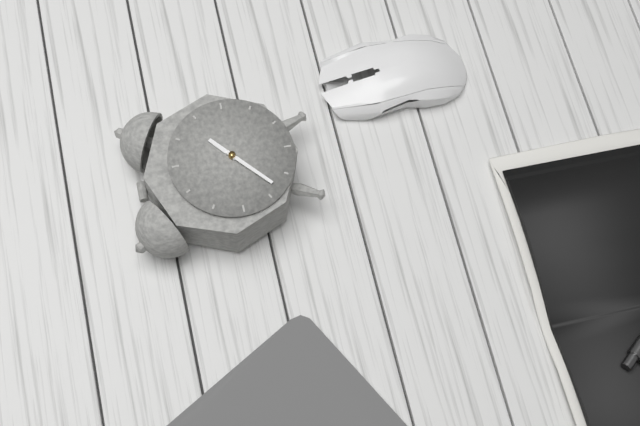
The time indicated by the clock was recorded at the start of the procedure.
1:38
